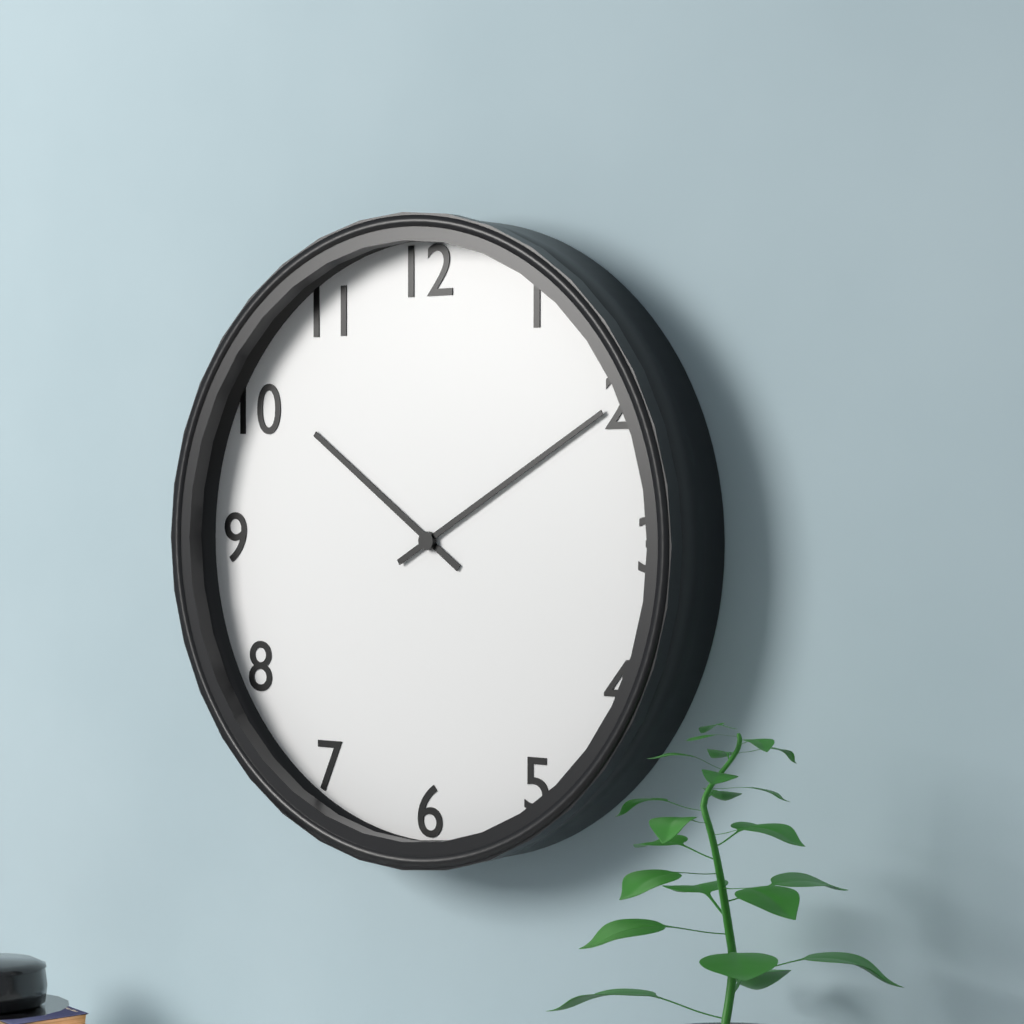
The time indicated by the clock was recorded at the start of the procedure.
10:10
